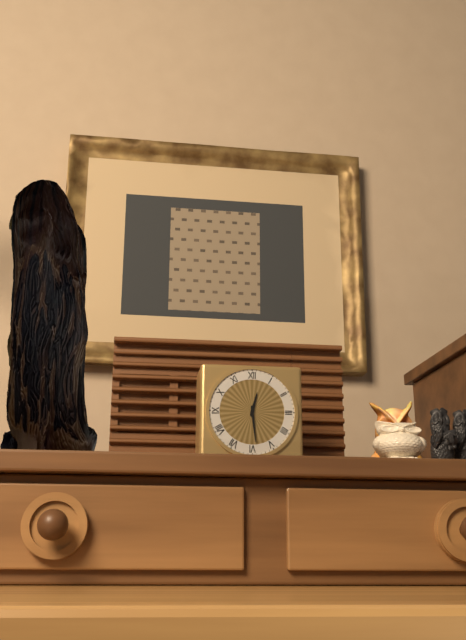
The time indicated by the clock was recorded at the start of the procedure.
12:29
